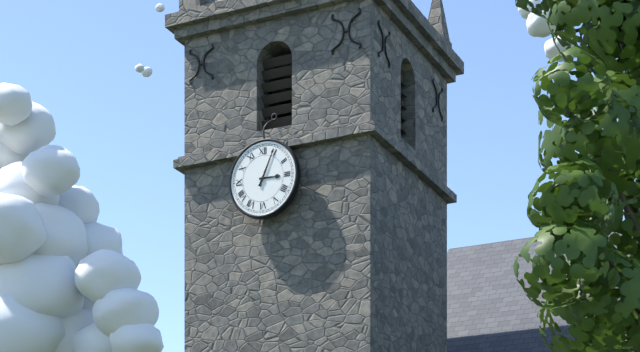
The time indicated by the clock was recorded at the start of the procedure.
3:04
